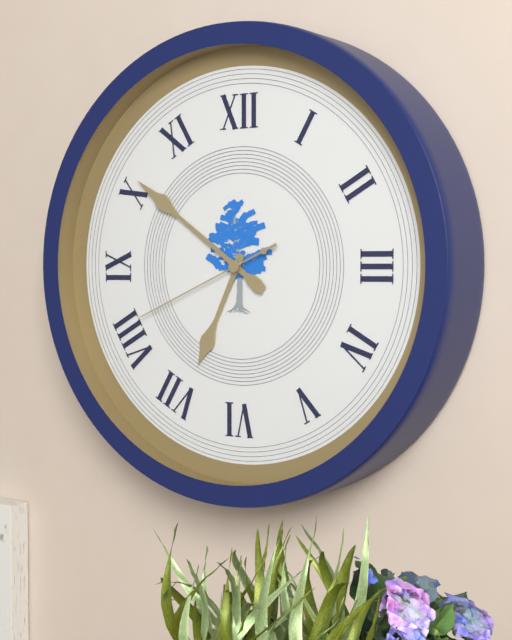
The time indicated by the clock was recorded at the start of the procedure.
6:51:41
